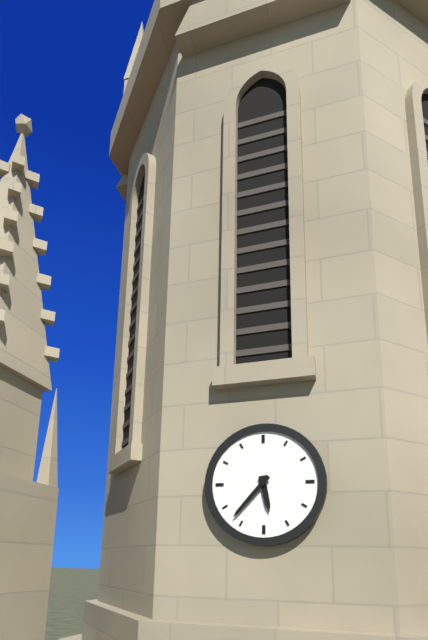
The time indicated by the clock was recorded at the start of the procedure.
5:37
